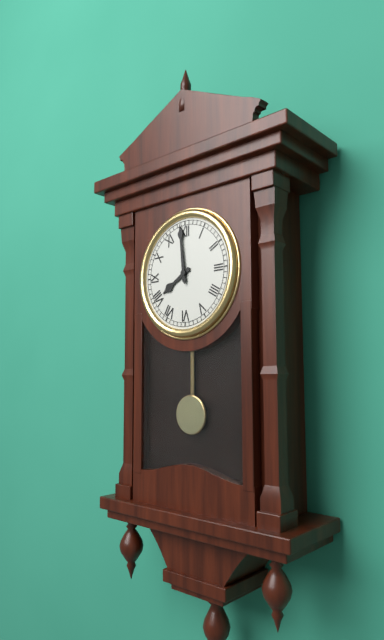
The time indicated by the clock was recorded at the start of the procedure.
7:59
